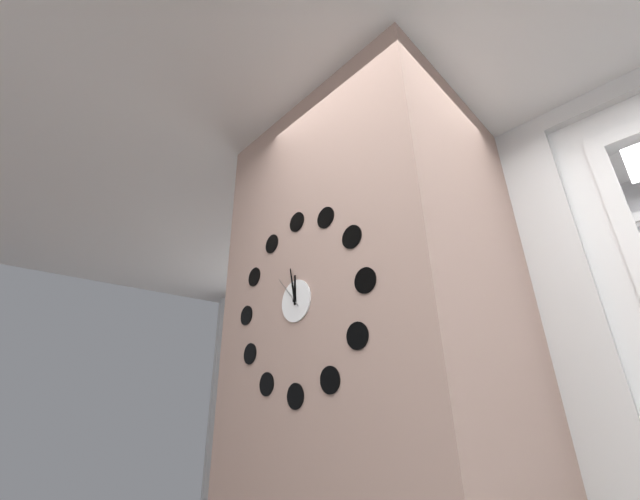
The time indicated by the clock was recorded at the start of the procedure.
11:58
